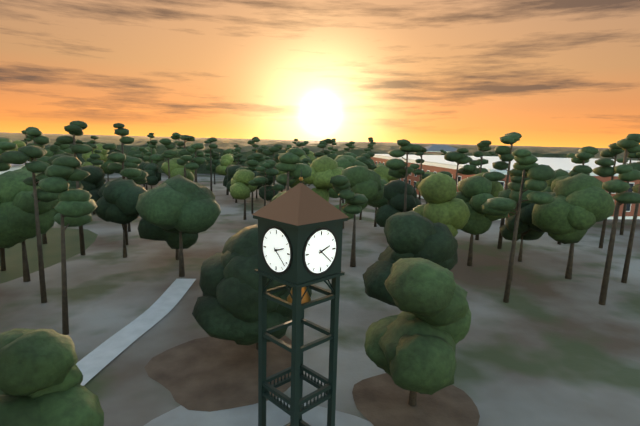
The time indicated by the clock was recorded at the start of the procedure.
2:22
